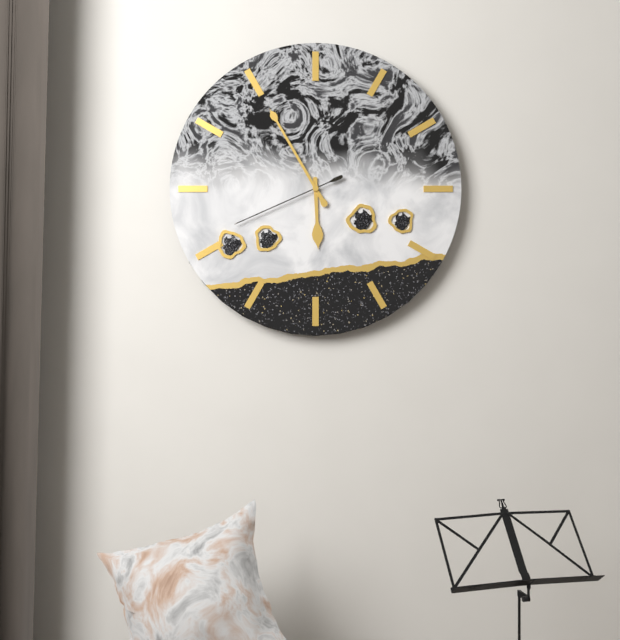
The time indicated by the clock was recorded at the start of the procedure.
5:55:41
